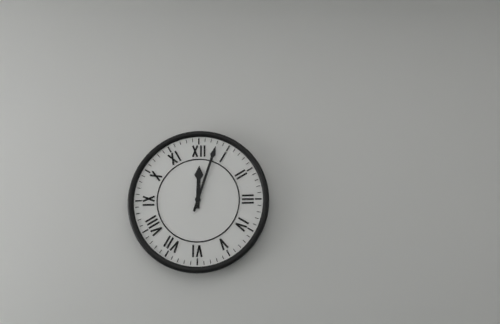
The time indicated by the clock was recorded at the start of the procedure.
12:03
